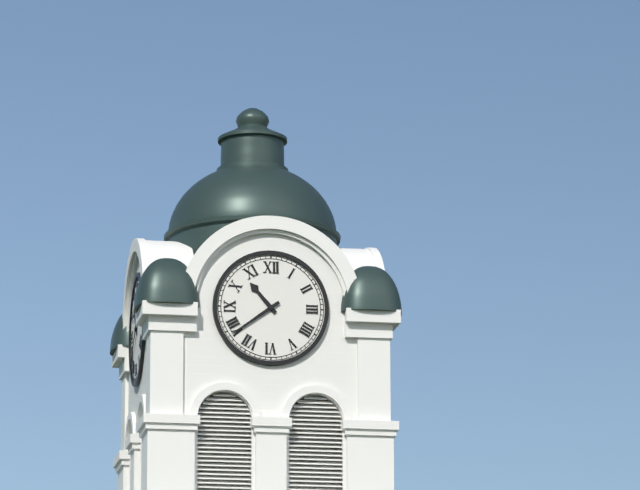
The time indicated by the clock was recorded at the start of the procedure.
10:39
